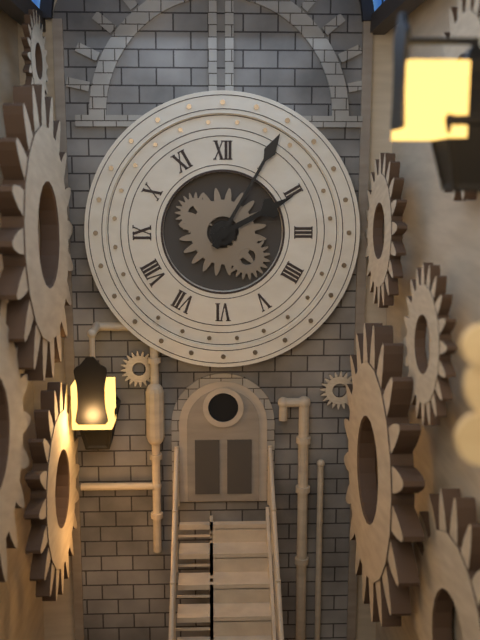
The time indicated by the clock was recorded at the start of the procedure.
2:05
